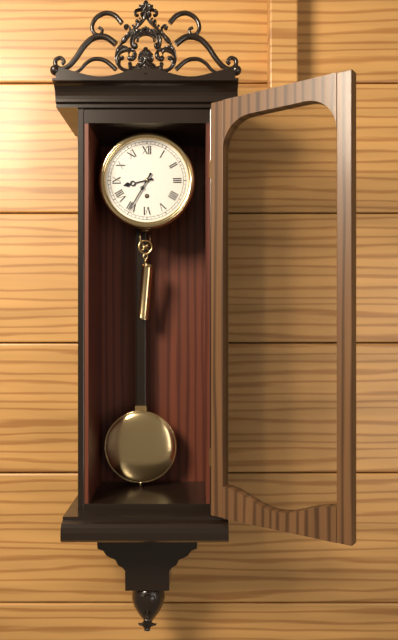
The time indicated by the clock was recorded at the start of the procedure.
8:35
